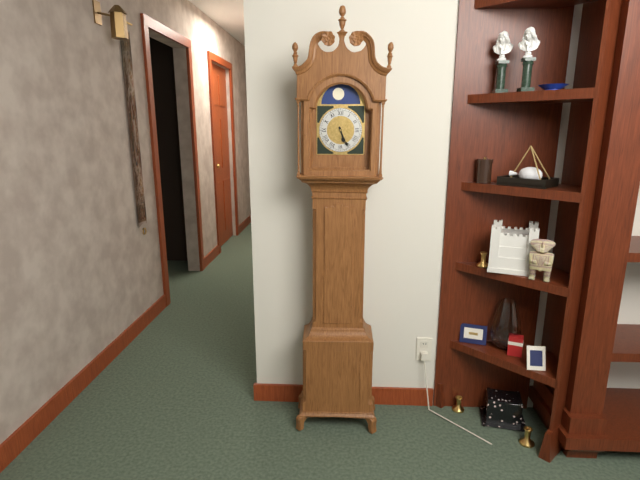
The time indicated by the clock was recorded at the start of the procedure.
5:26
